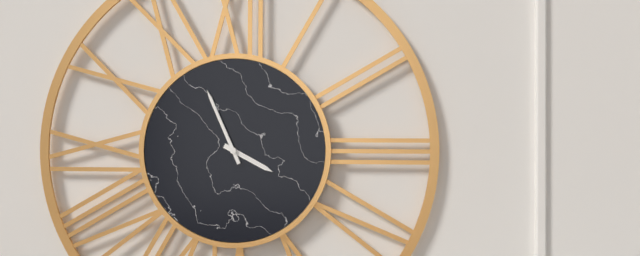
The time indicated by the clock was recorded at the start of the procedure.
3:56
